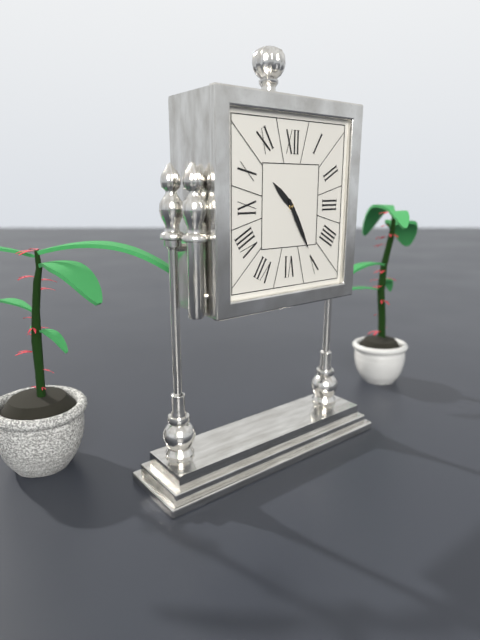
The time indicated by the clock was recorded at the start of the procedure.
10:25
